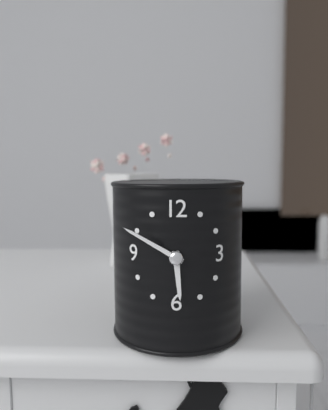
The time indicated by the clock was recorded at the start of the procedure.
5:50
